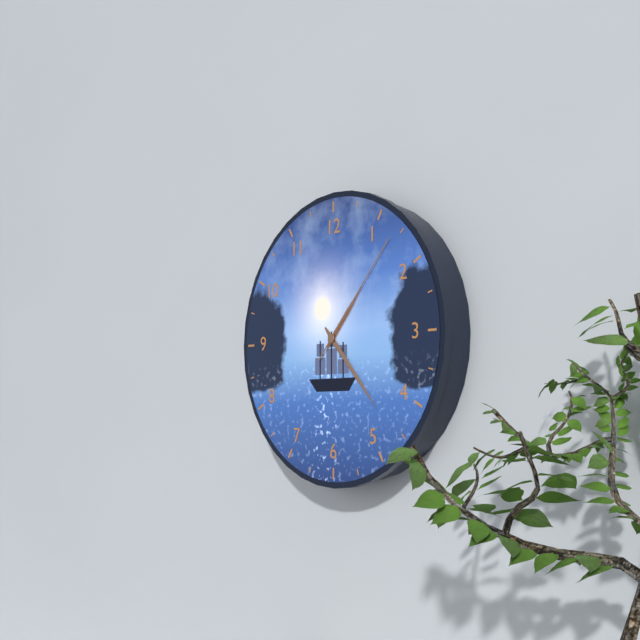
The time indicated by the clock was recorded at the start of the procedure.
1:23:07
